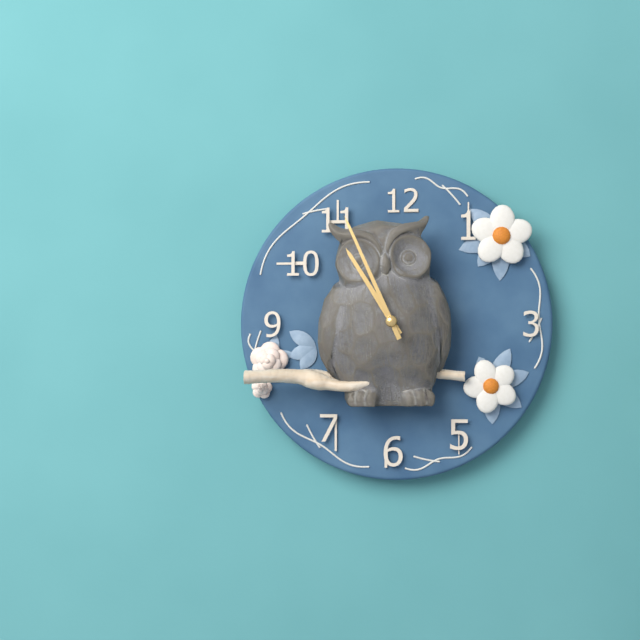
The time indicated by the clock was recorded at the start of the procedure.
10:56
